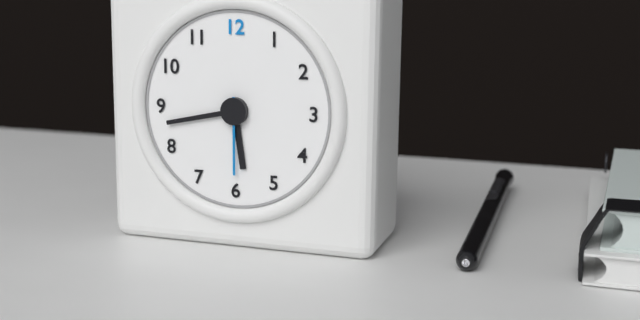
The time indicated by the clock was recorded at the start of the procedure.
5:43:30
